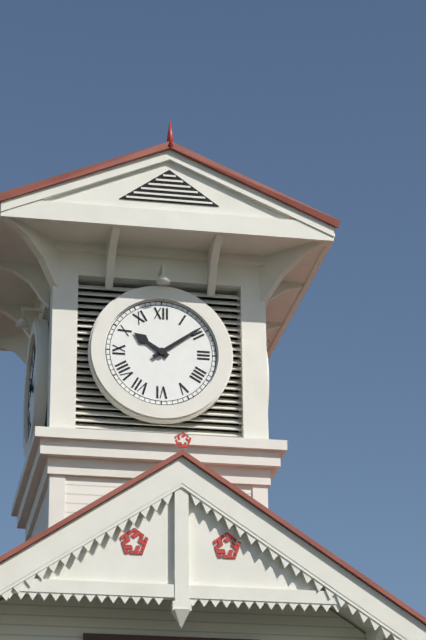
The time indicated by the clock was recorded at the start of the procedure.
10:09
